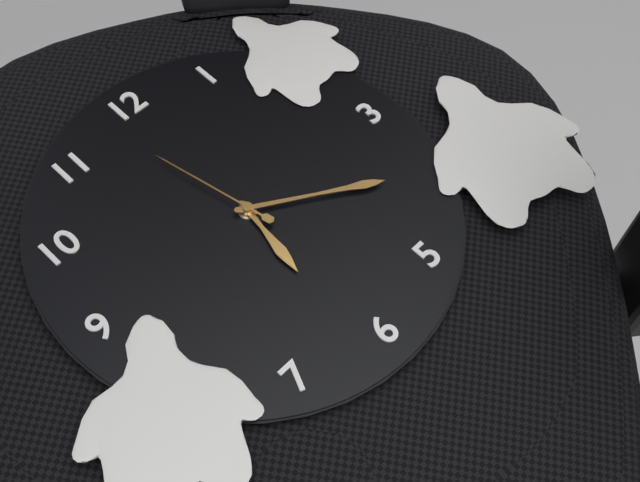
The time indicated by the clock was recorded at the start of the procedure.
6:20:58
